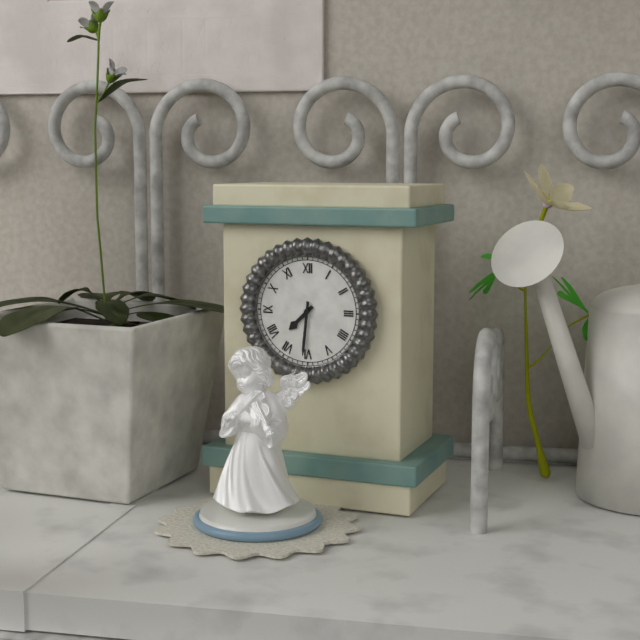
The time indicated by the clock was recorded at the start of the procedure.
7:31
